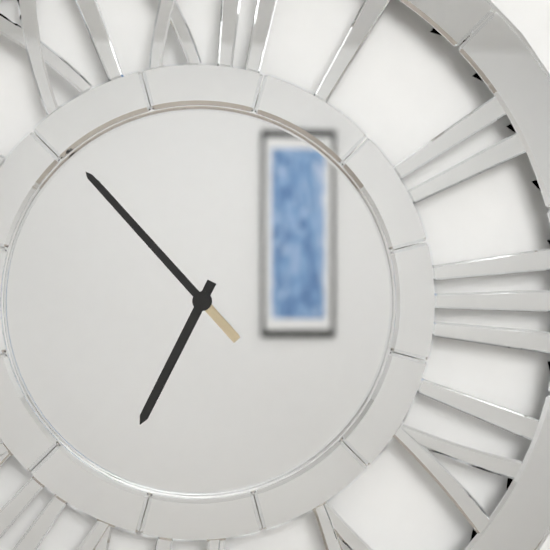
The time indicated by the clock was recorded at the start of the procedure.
6:53
